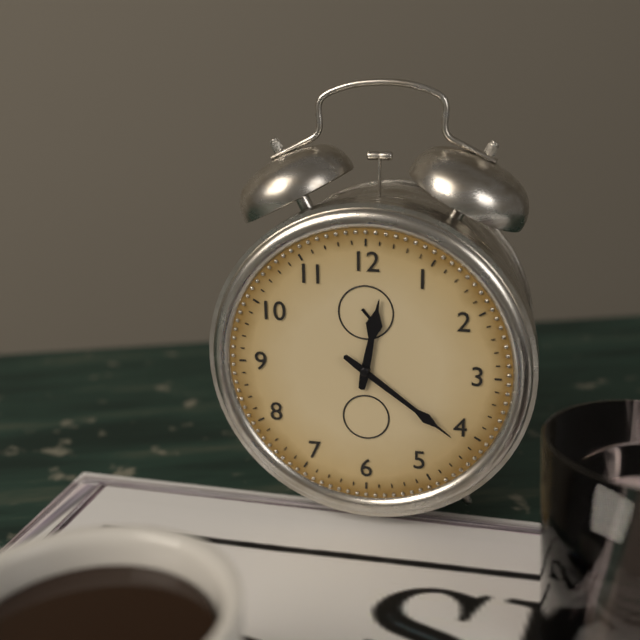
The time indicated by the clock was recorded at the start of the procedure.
12:21
